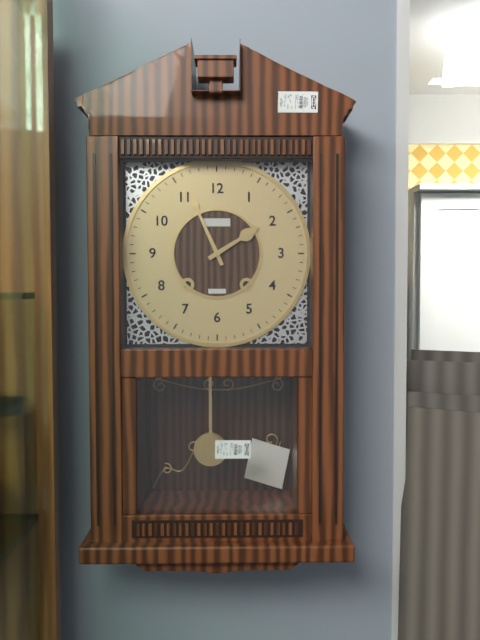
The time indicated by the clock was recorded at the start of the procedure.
1:56
